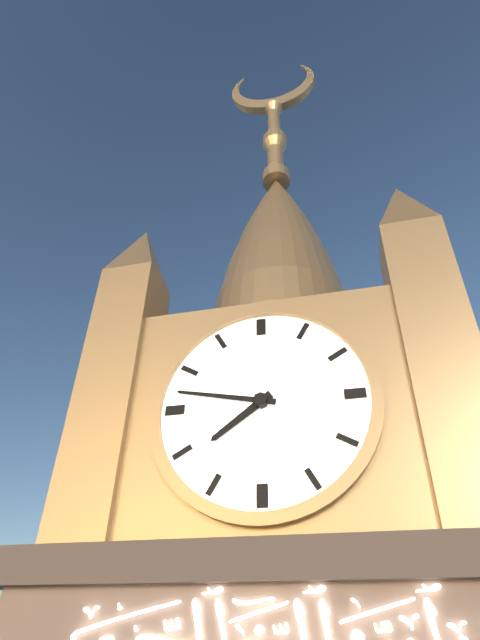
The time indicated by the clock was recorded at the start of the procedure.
7:47
